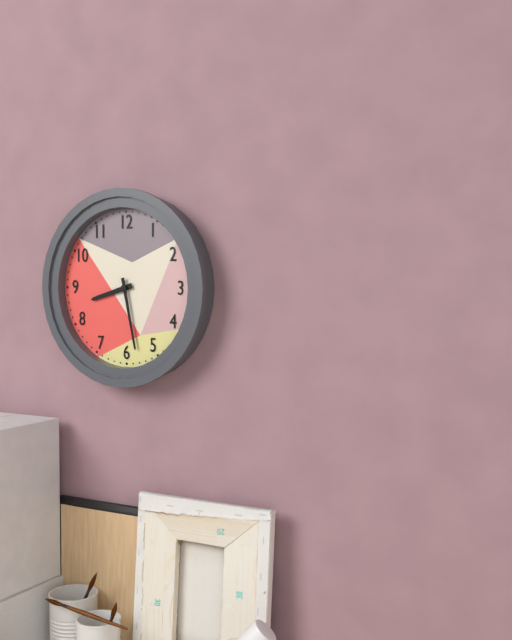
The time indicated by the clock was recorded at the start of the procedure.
8:28
